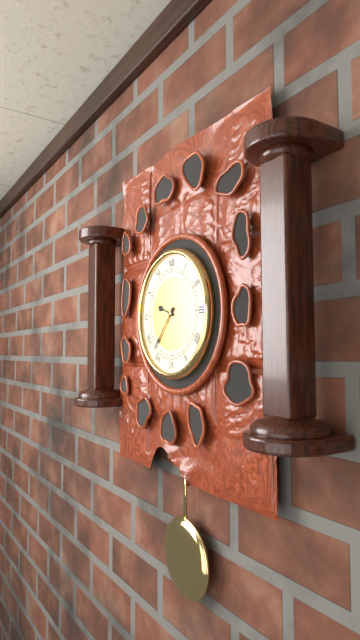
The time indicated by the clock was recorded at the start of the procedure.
9:37
